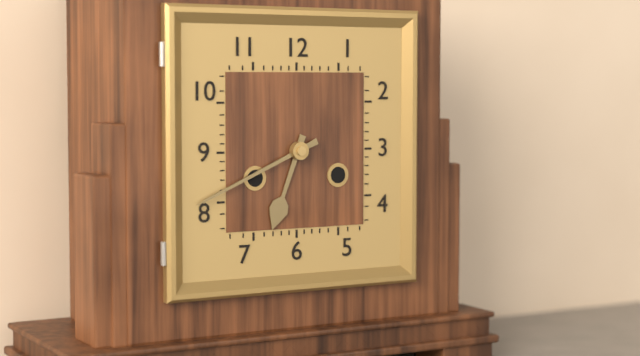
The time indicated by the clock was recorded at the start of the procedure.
6:41
